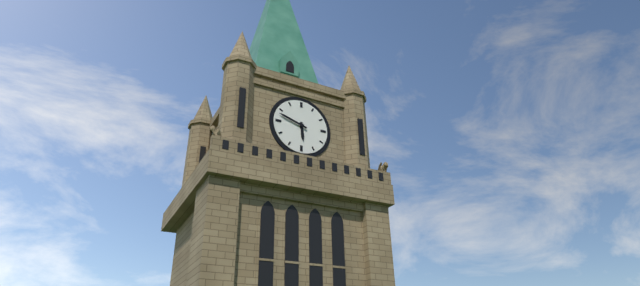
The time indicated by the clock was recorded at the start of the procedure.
5:48
